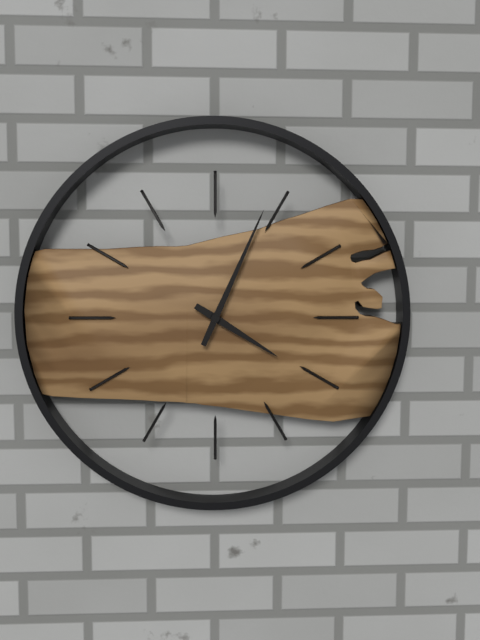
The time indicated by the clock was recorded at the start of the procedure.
4:04
